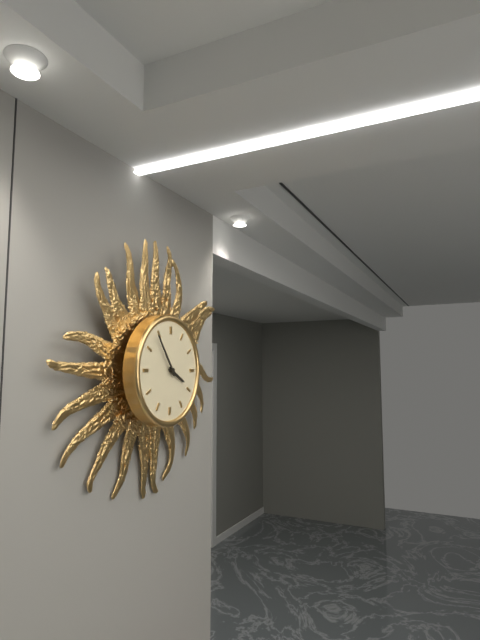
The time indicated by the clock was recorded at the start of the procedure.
3:54
